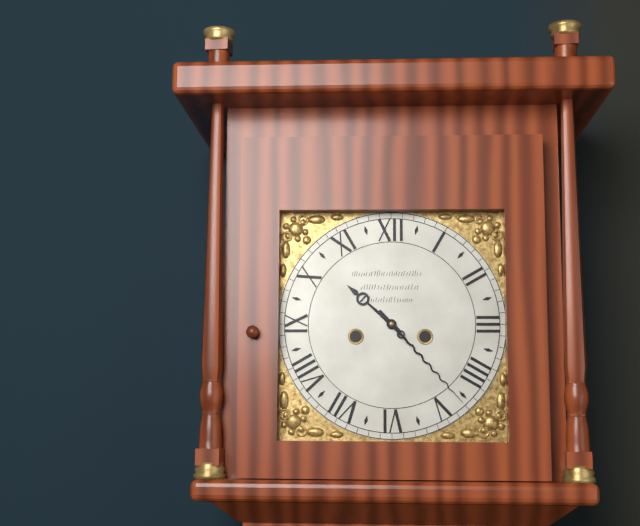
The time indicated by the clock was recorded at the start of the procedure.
10:23
